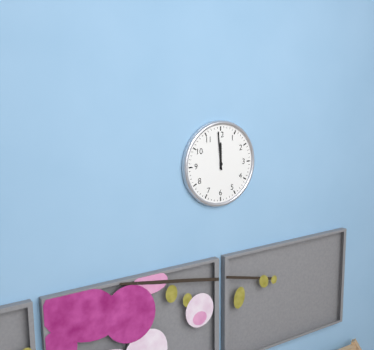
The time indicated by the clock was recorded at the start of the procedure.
11:59
